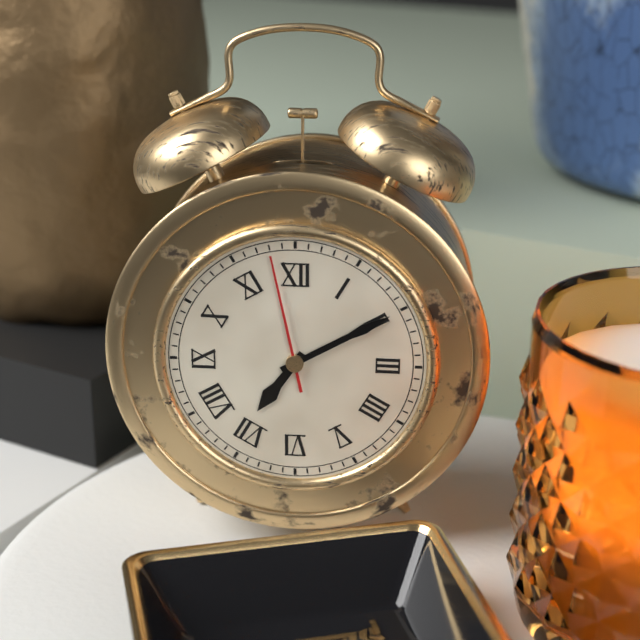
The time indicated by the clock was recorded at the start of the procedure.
7:10:58
